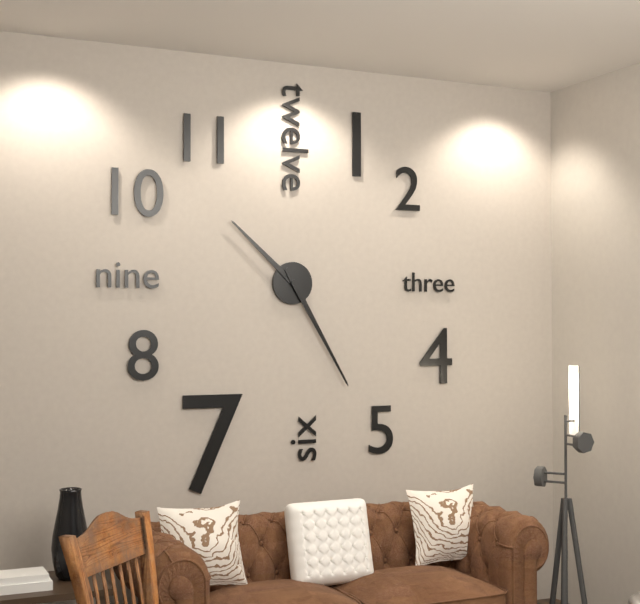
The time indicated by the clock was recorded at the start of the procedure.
10:25
